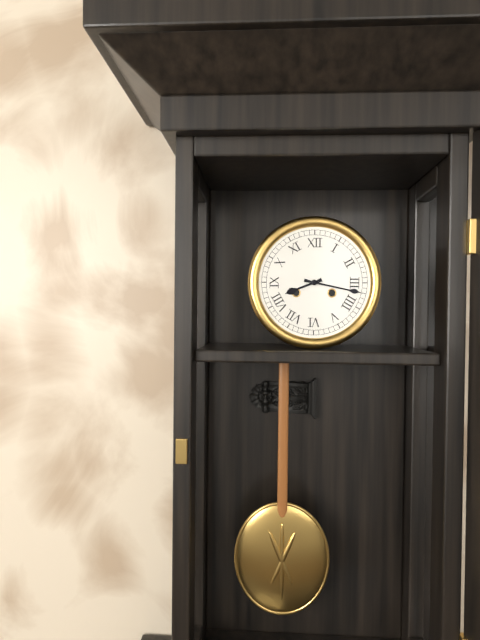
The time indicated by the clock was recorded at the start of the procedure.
8:17
